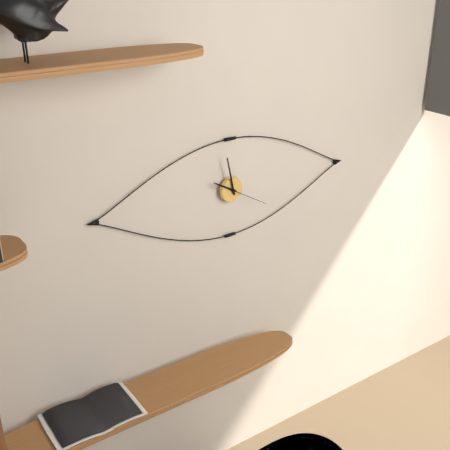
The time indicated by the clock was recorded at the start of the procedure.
9:58:20
